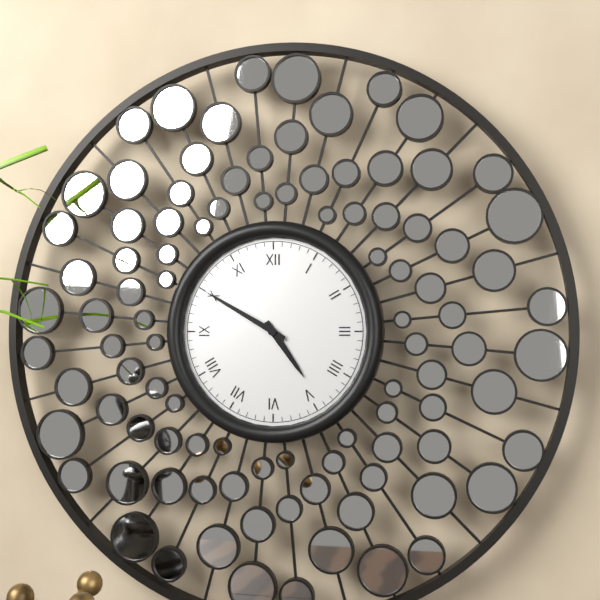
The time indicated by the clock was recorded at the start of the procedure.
4:50
